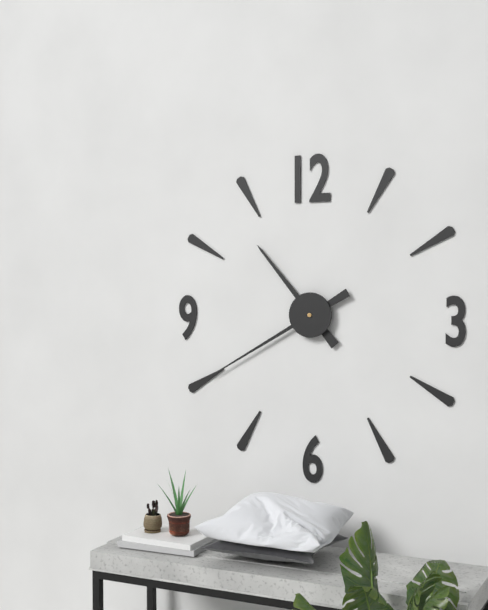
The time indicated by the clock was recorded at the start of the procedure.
10:40
